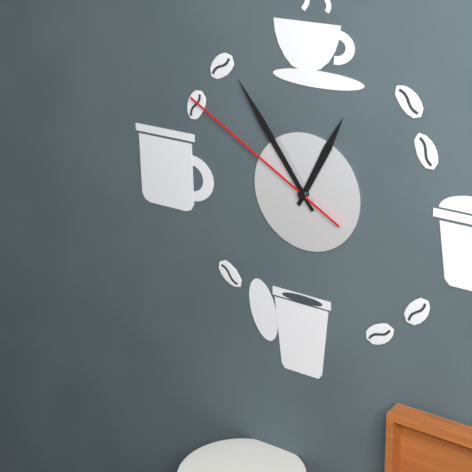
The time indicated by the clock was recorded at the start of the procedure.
12:54:50
